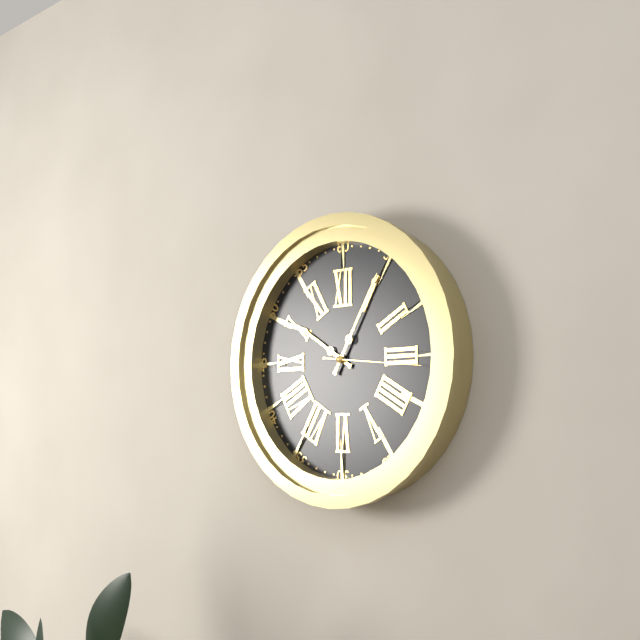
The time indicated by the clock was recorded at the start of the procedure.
10:05:16
